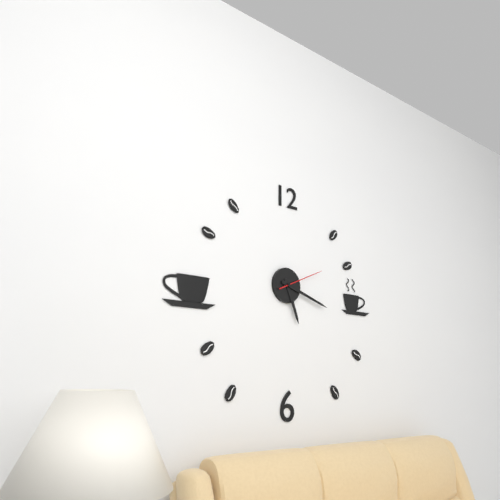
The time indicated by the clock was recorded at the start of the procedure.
5:18
